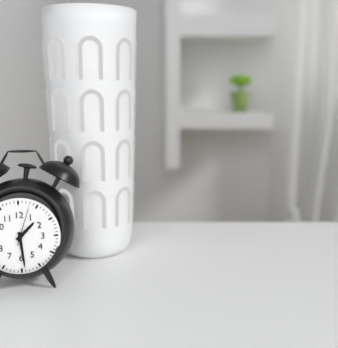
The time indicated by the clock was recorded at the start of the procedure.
1:29
